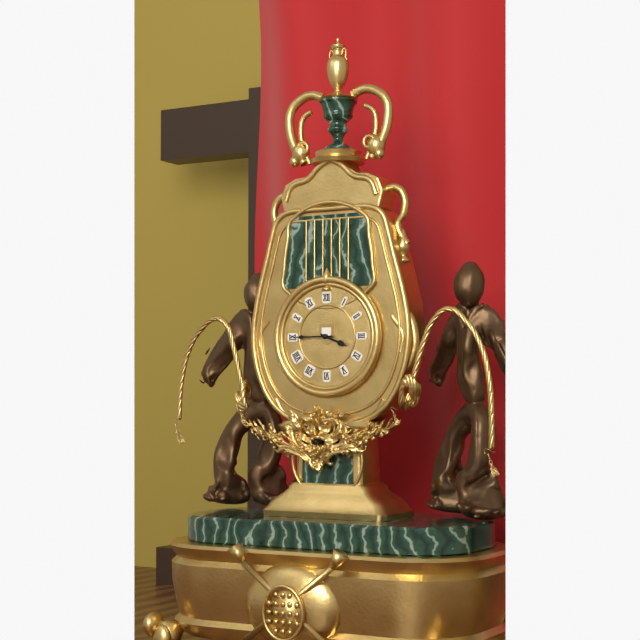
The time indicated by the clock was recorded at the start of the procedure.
3:45
